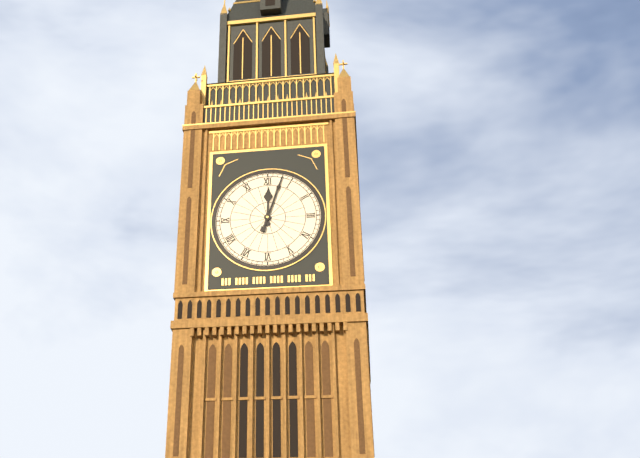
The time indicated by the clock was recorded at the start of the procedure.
12:03
